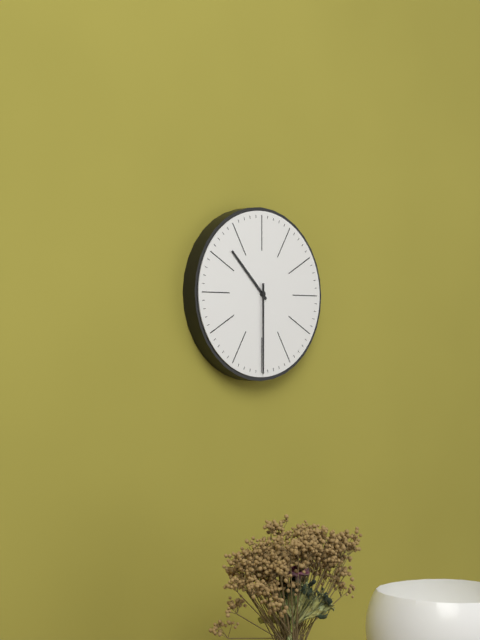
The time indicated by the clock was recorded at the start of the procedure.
10:30
